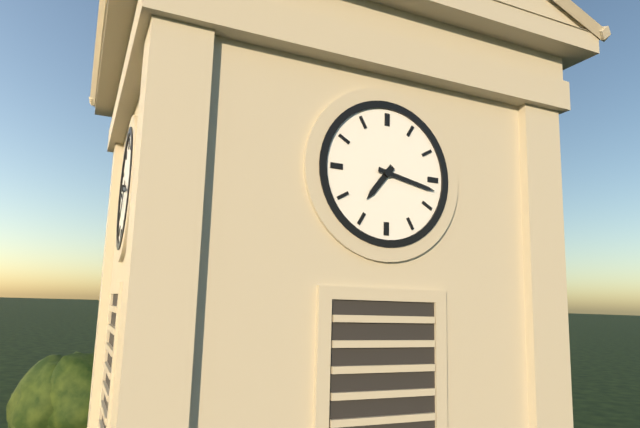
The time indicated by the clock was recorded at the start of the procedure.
7:17
